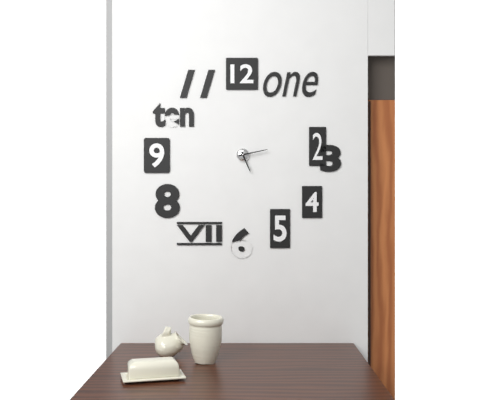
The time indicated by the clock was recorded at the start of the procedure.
5:13
